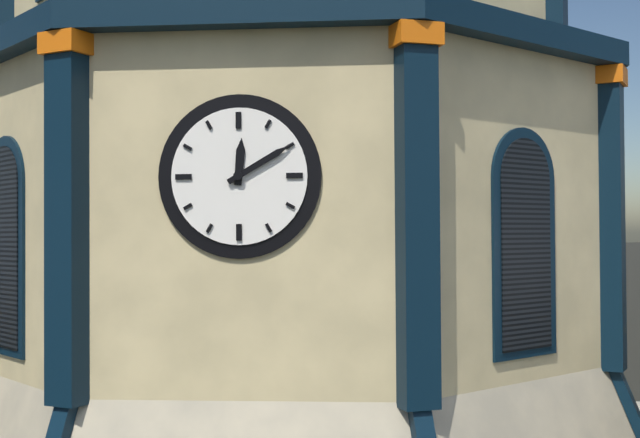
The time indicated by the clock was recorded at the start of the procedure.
12:10
